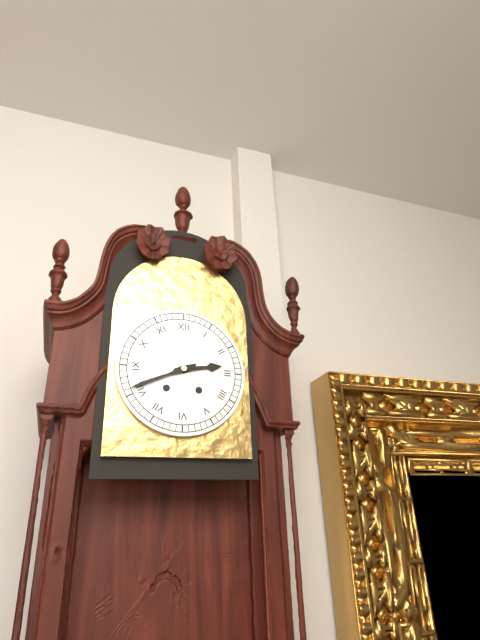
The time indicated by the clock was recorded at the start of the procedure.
2:41
